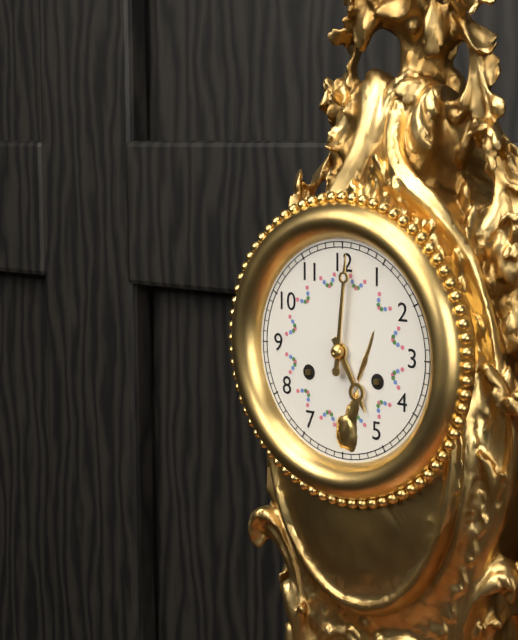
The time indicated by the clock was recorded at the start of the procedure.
5:01
